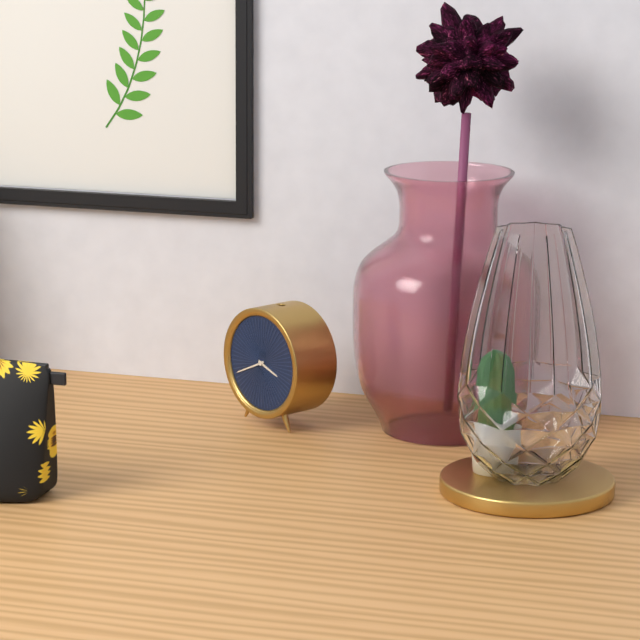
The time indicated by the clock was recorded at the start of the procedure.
3:41
